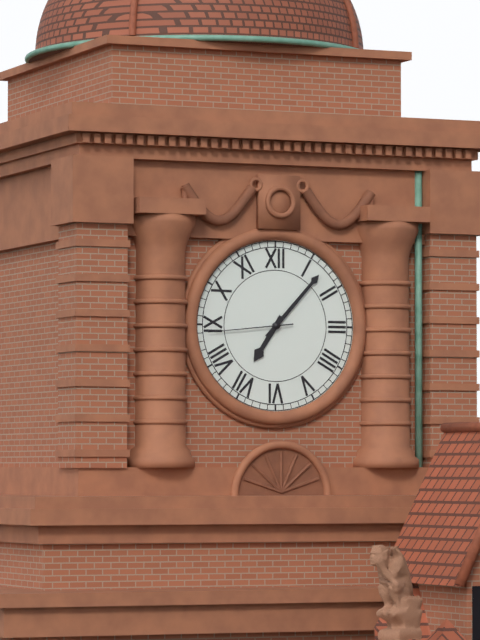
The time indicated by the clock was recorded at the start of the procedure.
7:07:44
